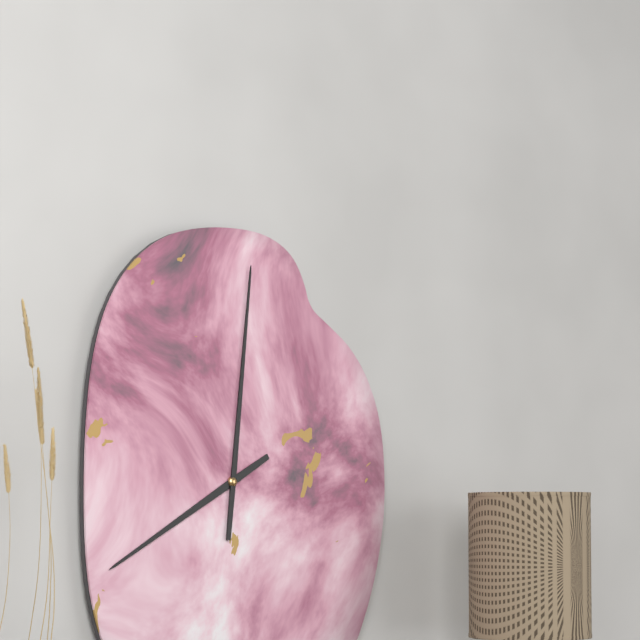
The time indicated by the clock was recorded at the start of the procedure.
8:01
